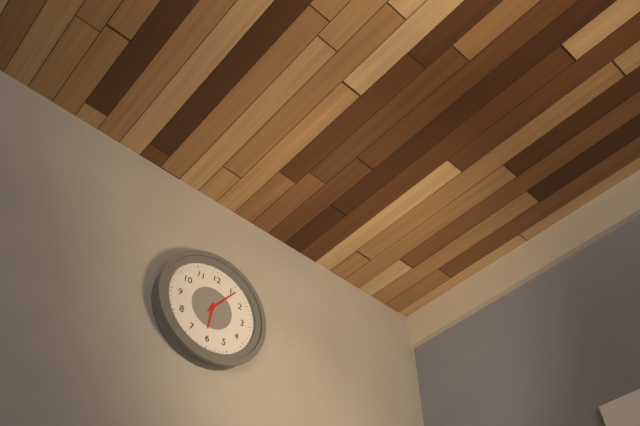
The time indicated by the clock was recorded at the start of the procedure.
6:06
